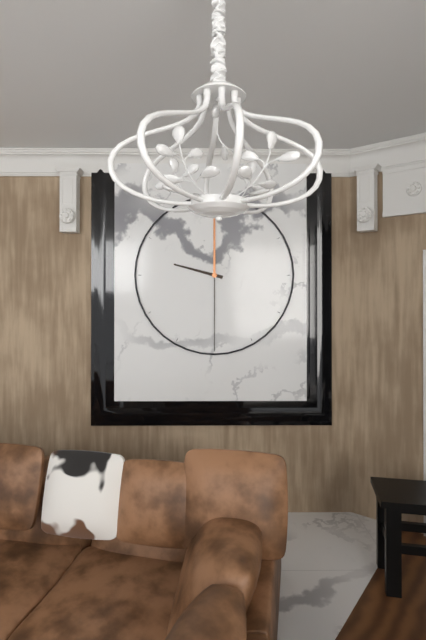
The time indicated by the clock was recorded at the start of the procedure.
9:30
